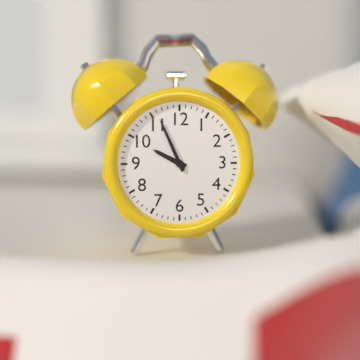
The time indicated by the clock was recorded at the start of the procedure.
9:56
